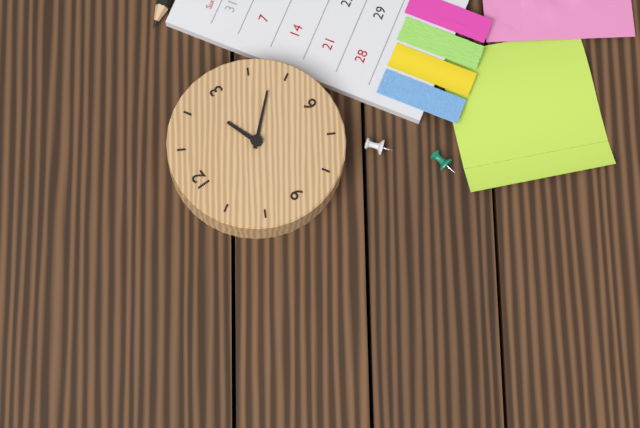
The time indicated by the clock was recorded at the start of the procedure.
2:23
